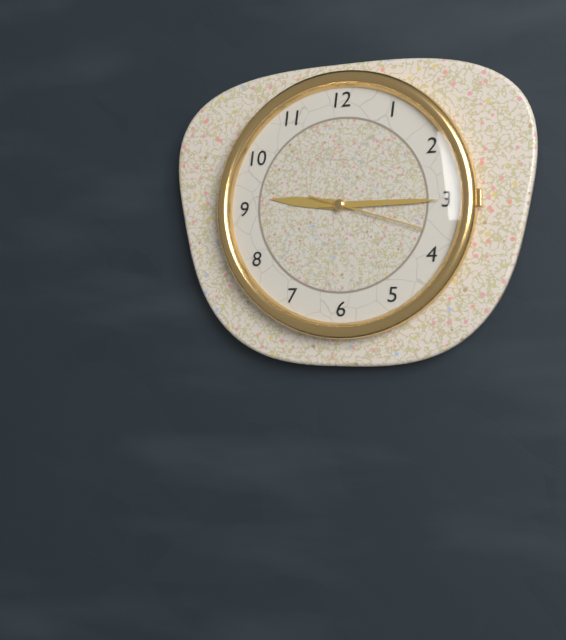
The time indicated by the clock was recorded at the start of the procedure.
9:15:18
